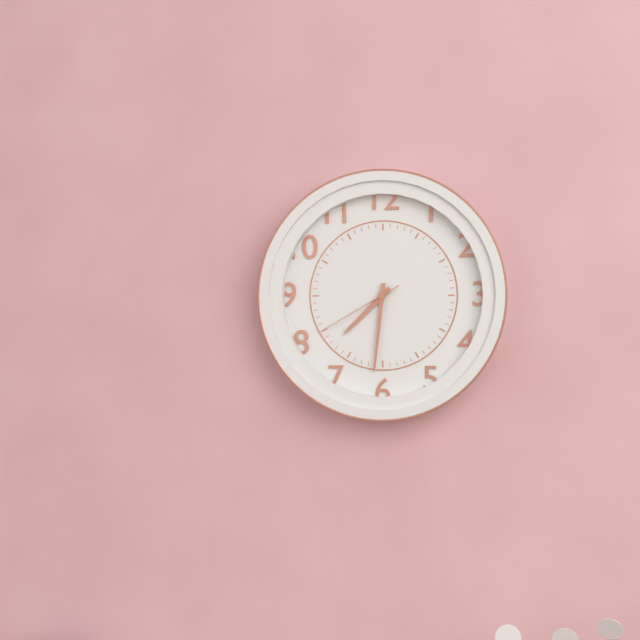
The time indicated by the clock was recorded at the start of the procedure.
7:31:40
